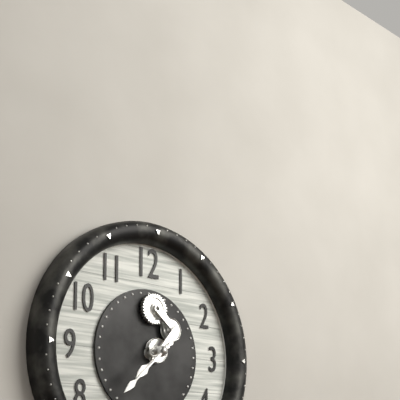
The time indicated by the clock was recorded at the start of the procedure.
7:38
